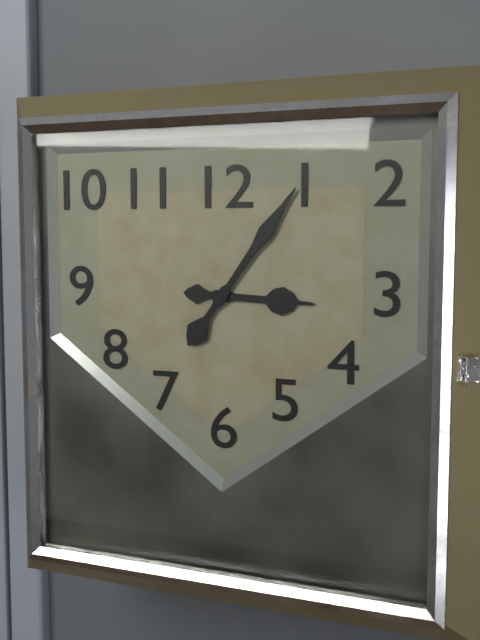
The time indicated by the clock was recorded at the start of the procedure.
3:06
